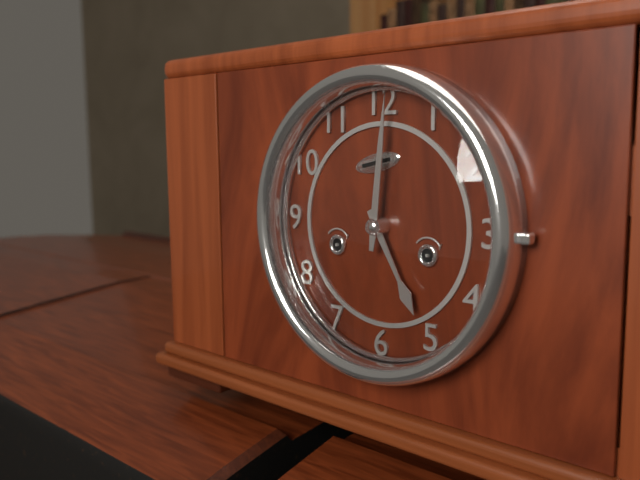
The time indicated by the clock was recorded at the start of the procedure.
5:01
